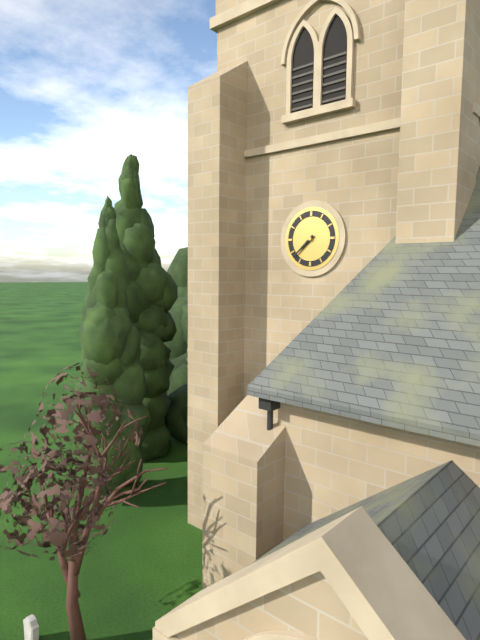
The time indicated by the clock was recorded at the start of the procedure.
7:38
